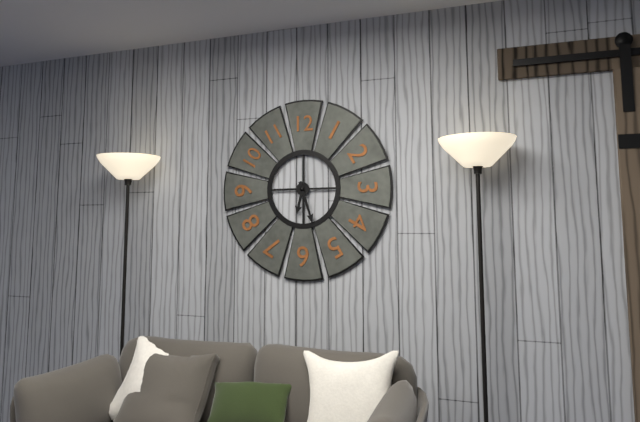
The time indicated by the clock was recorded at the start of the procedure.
6:27
